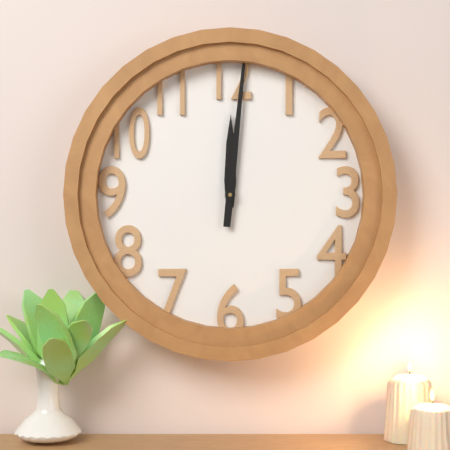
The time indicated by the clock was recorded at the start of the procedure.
12:01
